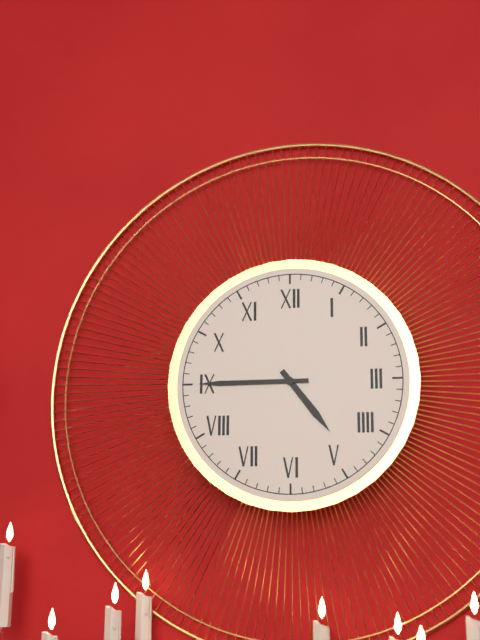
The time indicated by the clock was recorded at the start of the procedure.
4:45
